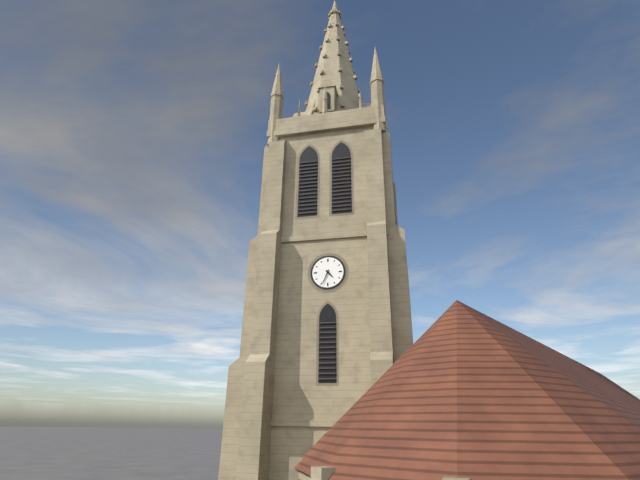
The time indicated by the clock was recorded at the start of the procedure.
4:34
